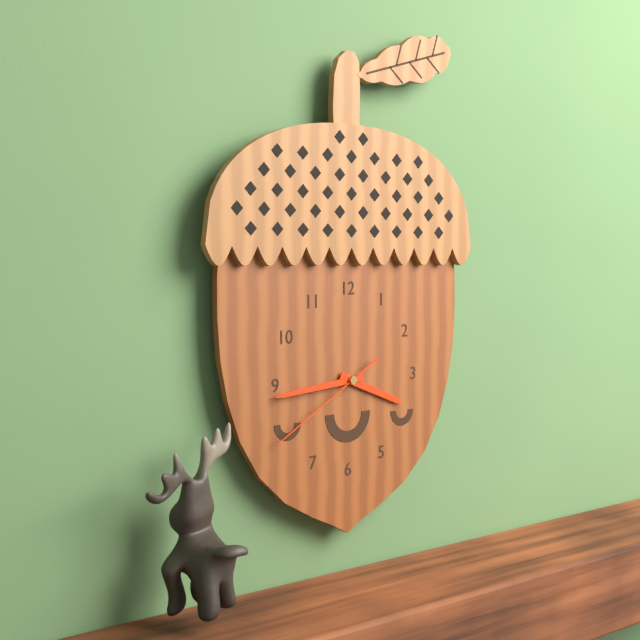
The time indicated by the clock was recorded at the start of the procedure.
3:44:40
